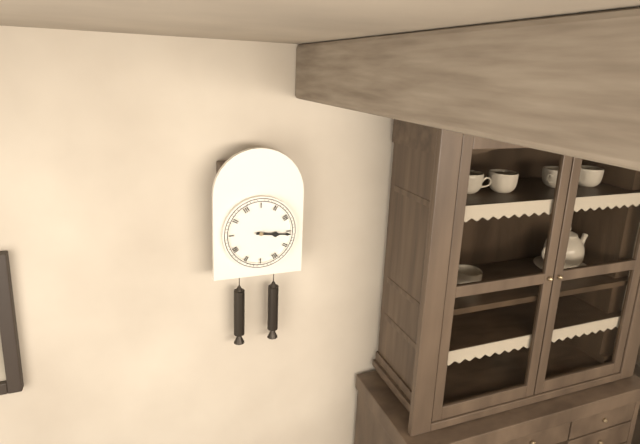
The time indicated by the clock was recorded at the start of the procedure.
3:16
